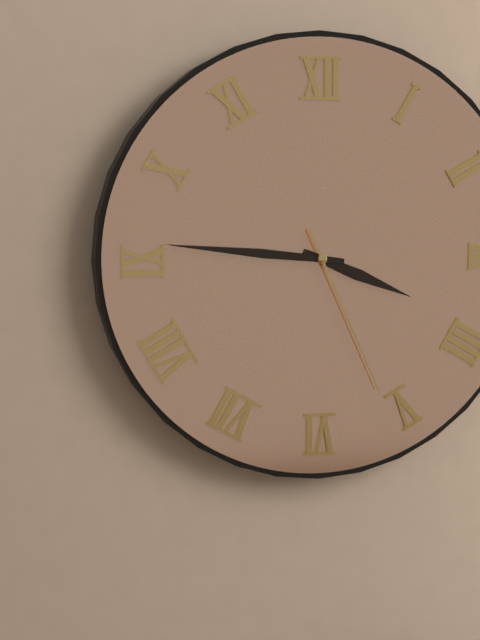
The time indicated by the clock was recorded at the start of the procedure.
3:46:26
